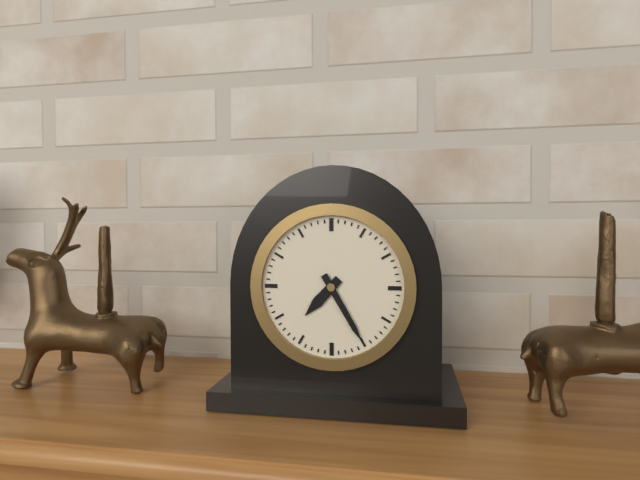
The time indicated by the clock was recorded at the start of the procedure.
7:25
